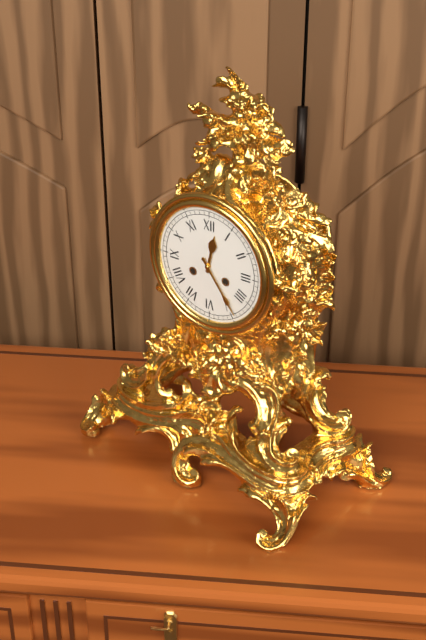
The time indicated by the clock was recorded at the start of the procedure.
12:24
